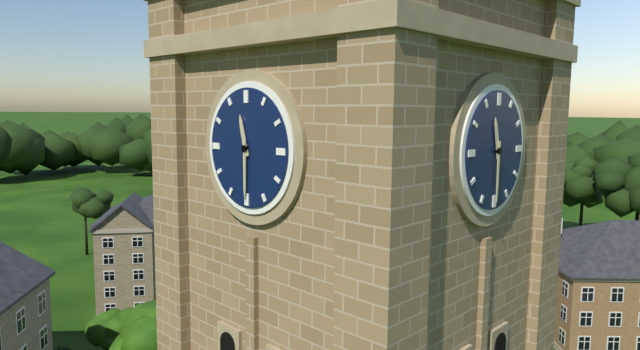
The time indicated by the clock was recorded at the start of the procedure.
11:30
